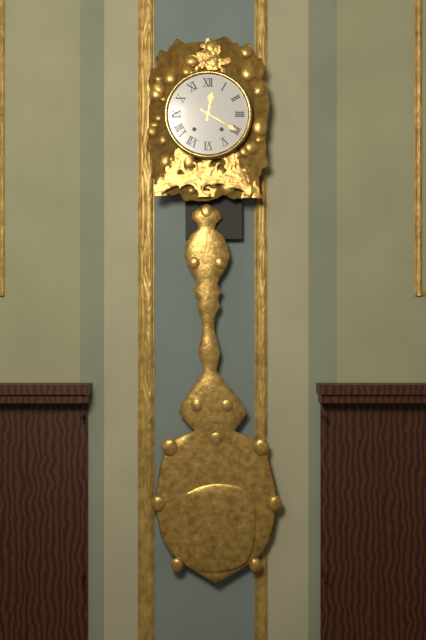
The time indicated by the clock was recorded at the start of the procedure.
12:20
